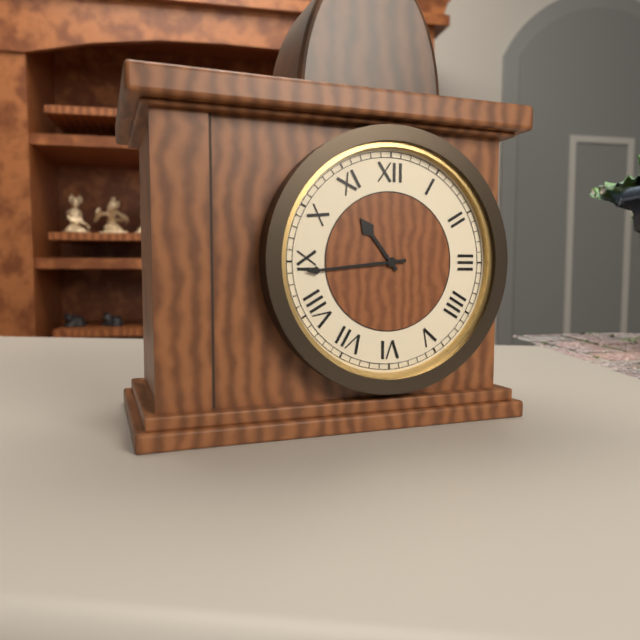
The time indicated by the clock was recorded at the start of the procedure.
10:44
